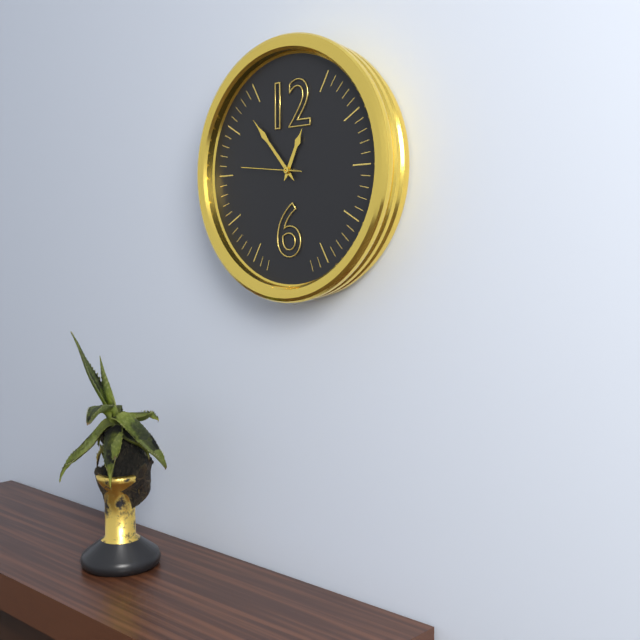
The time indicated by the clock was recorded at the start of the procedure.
12:53:46
